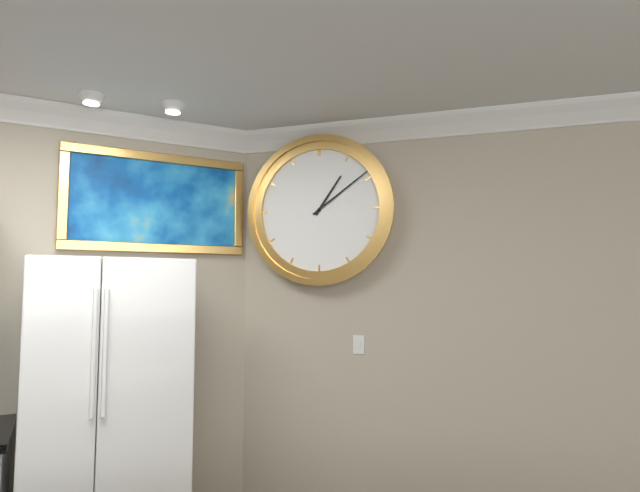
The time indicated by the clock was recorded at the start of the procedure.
1:09
